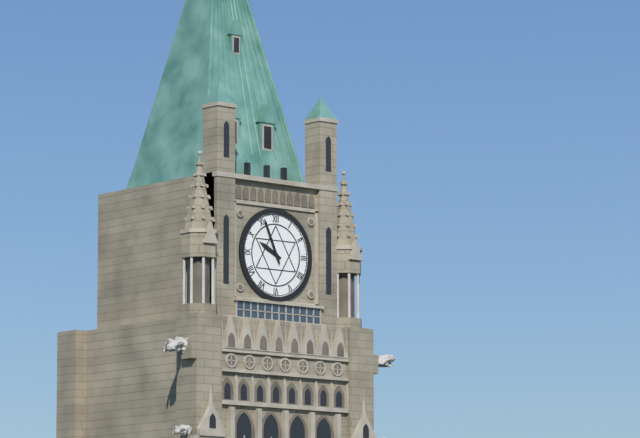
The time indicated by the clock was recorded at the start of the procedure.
9:56
